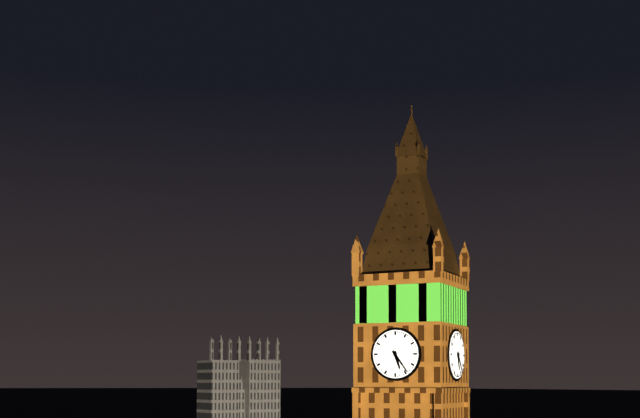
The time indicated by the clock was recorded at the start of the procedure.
5:24
